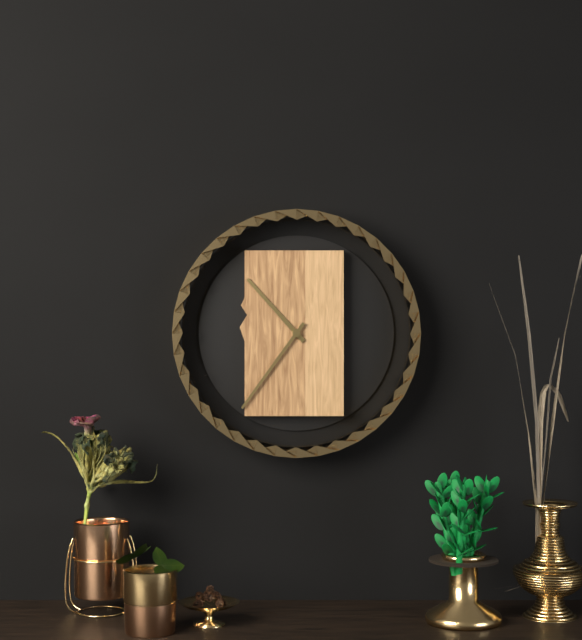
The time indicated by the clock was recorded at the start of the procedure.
10:36
